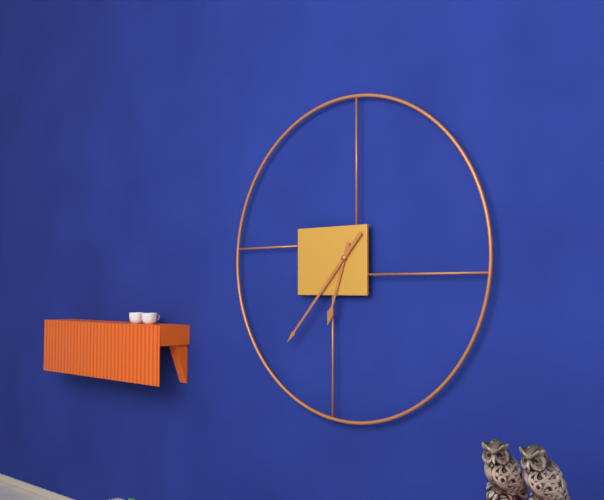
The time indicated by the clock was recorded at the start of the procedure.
6:37
